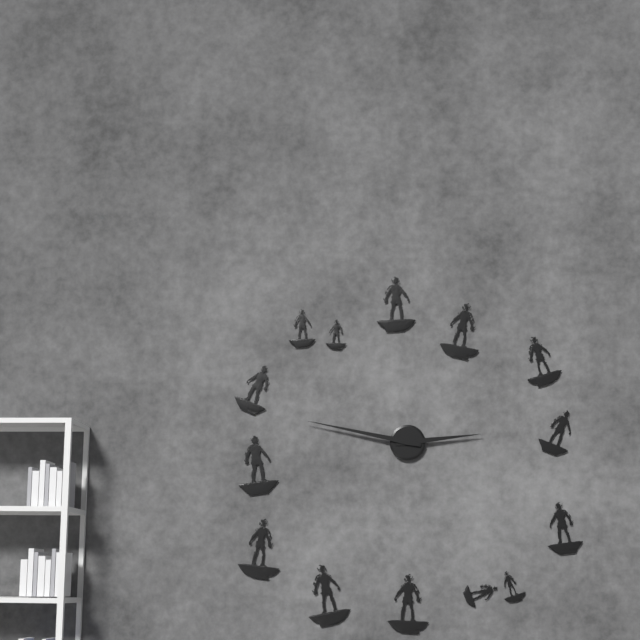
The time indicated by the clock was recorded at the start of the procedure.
2:47
